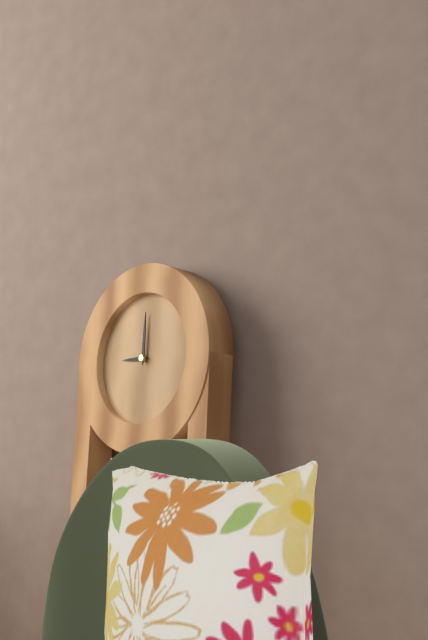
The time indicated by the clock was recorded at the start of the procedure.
9:00
